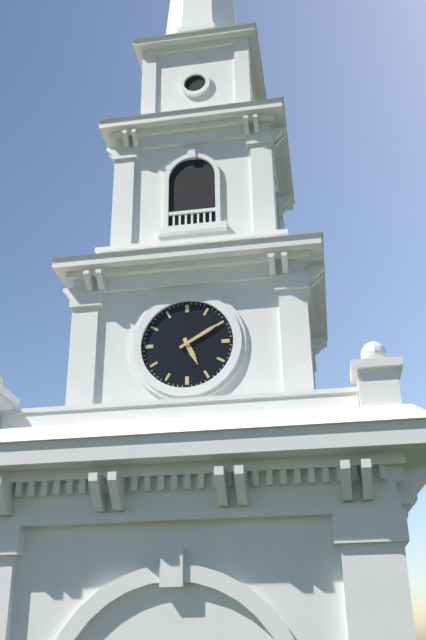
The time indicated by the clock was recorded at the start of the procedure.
5:10
